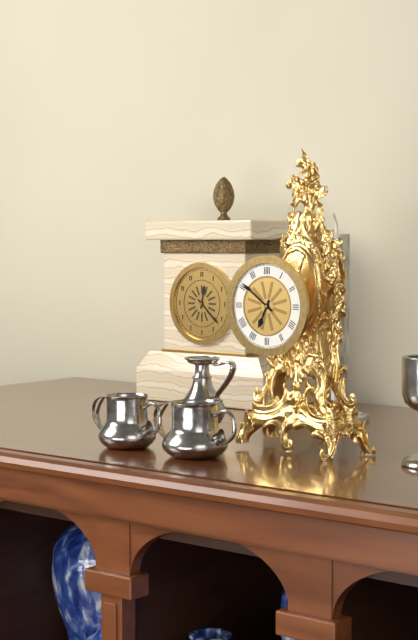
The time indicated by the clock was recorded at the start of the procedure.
6:51
